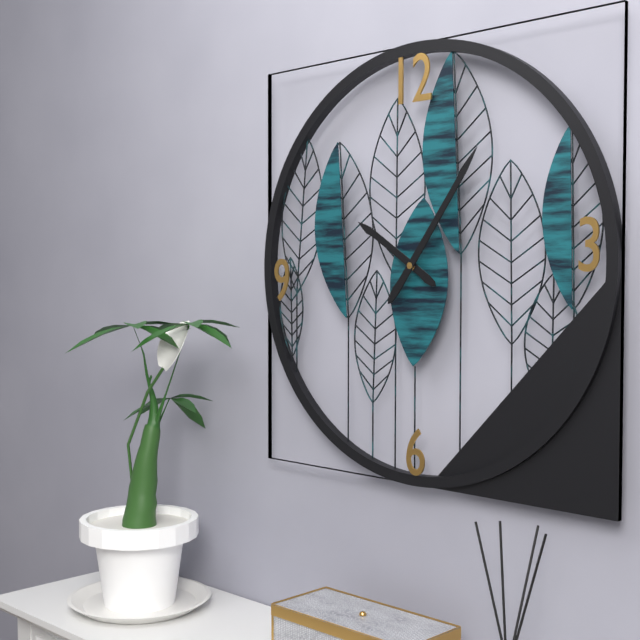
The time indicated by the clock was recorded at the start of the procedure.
10:06
